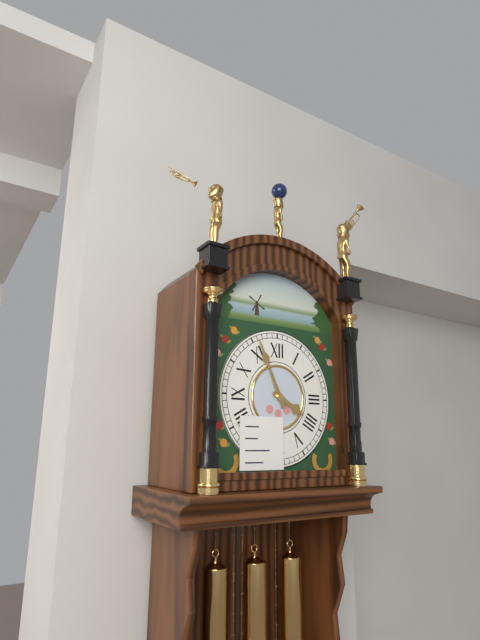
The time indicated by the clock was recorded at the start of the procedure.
3:56
